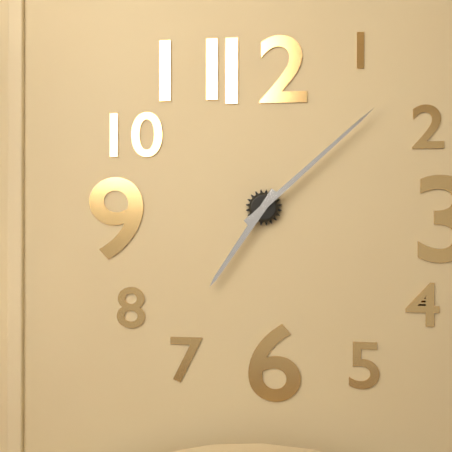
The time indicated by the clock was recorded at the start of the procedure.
7:08
